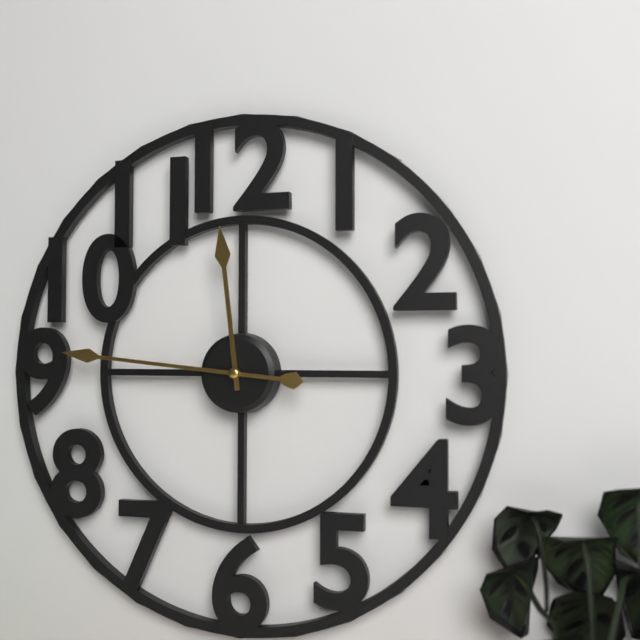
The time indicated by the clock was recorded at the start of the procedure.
11:46
